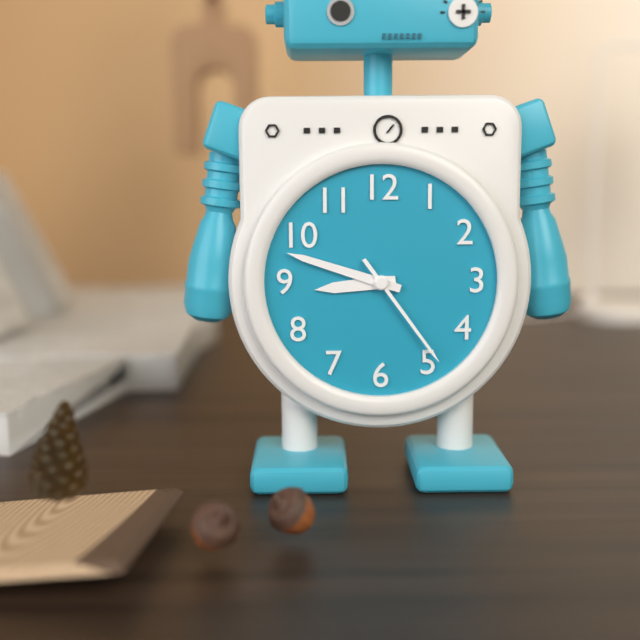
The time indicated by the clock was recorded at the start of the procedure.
8:48:24
